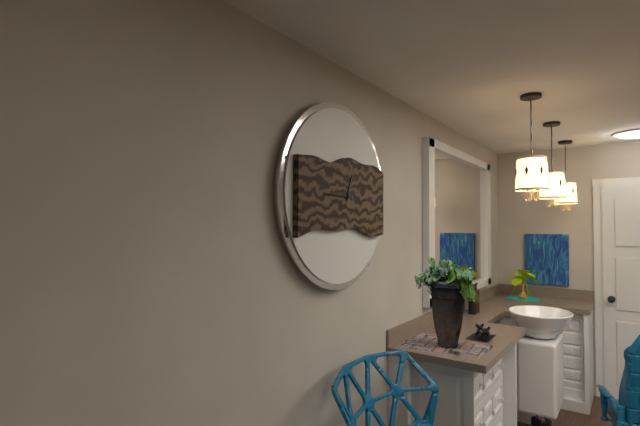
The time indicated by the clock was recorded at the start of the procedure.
12:45
